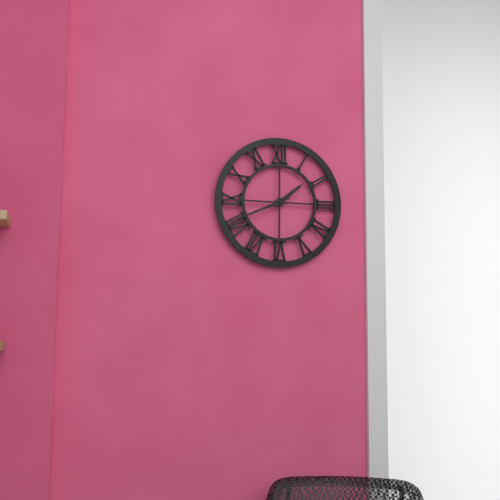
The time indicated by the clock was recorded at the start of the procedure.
1:41
